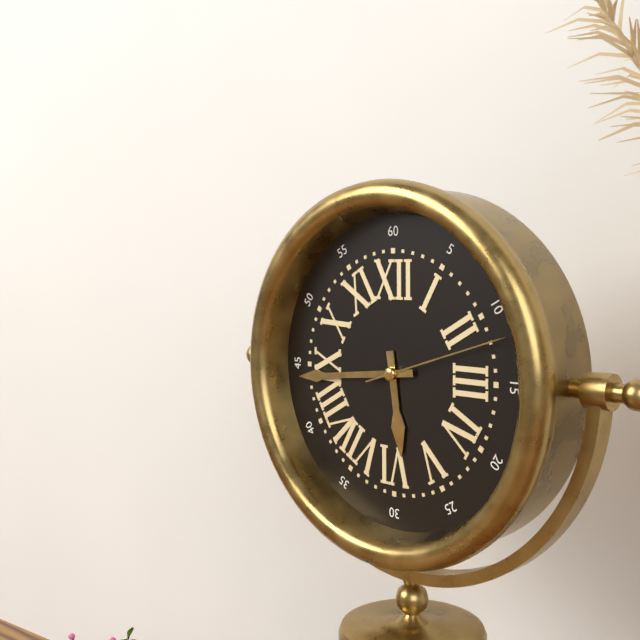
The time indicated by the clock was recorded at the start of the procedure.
5:44:12
